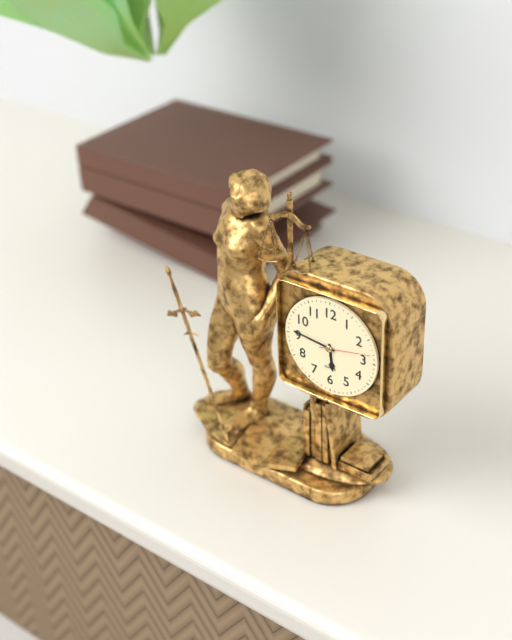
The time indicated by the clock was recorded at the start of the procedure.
5:46:13
